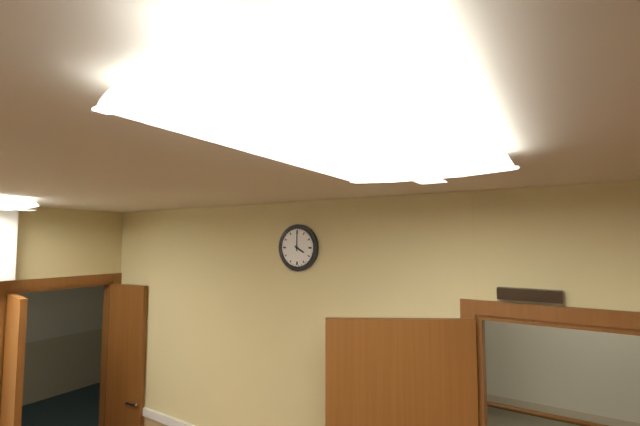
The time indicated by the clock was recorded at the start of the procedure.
4:00
